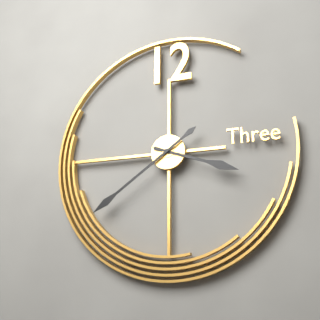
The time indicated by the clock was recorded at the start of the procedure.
3:39
